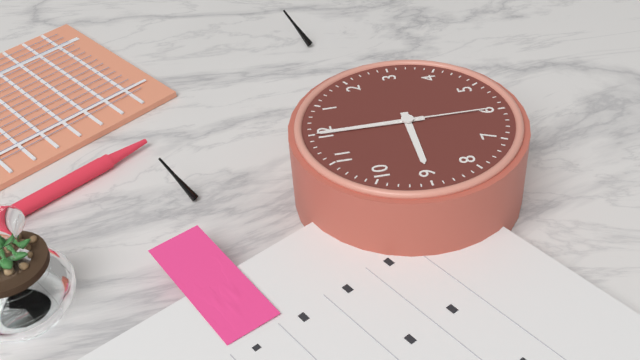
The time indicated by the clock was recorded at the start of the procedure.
9:00:30
